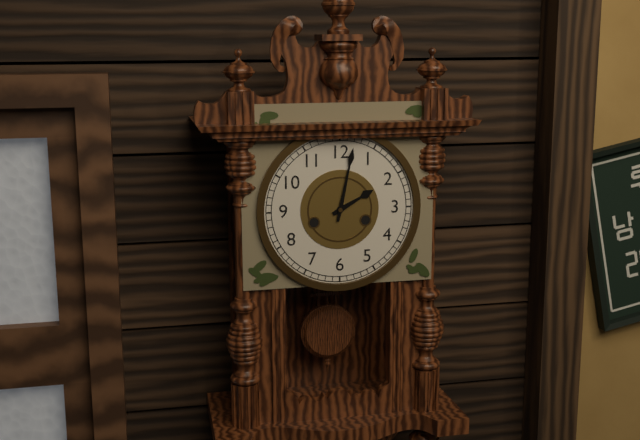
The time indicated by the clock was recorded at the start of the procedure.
2:02
